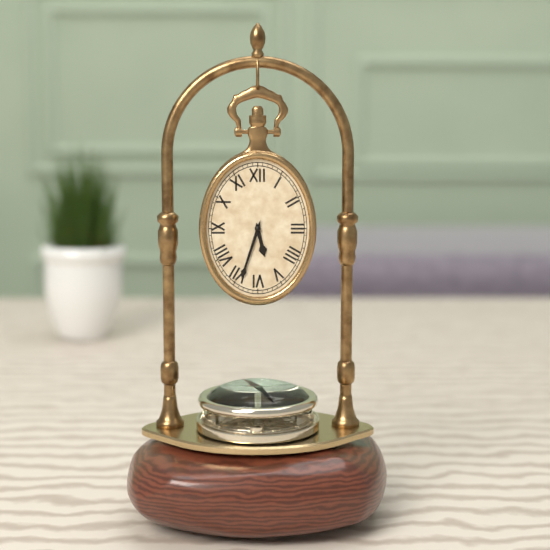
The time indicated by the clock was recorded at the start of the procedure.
5:33
